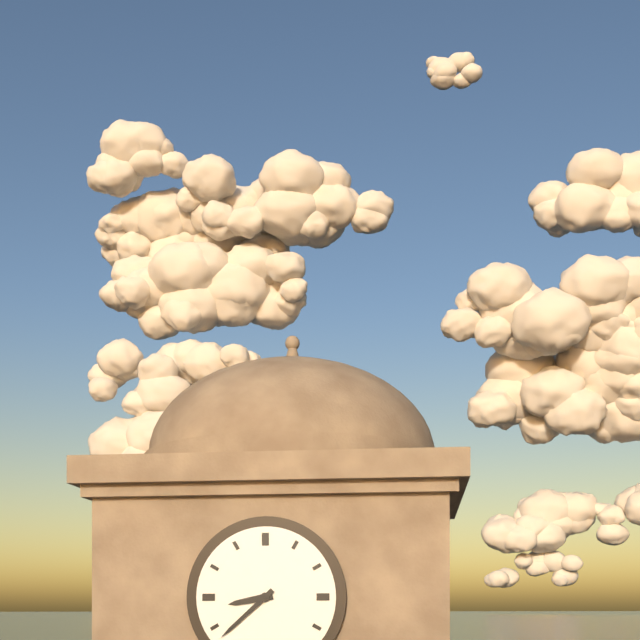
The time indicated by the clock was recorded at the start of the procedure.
8:38
